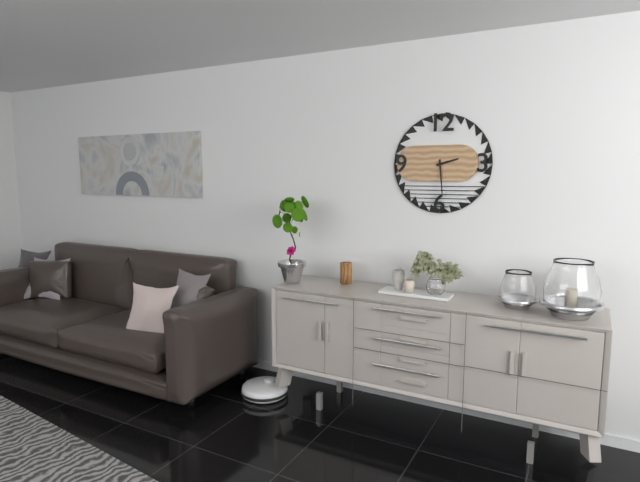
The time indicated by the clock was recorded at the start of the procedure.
2:29
